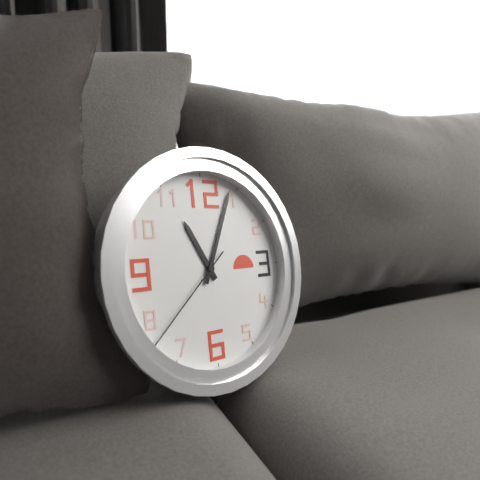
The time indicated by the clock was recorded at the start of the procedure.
11:04:38
